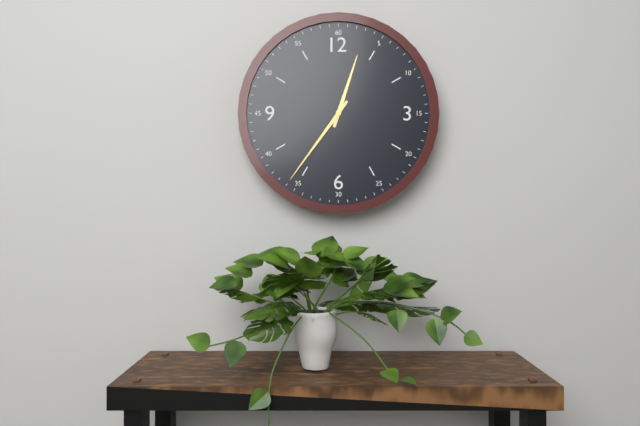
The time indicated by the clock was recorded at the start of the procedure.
12:36
